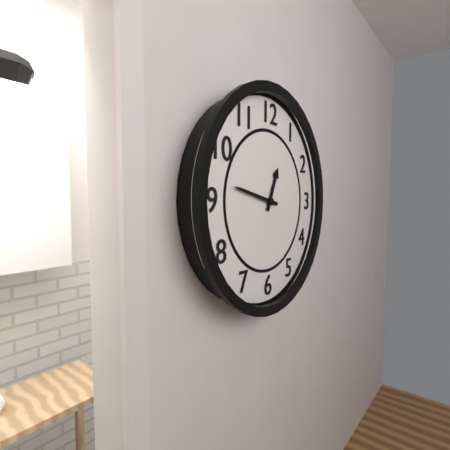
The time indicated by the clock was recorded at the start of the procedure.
12:47
